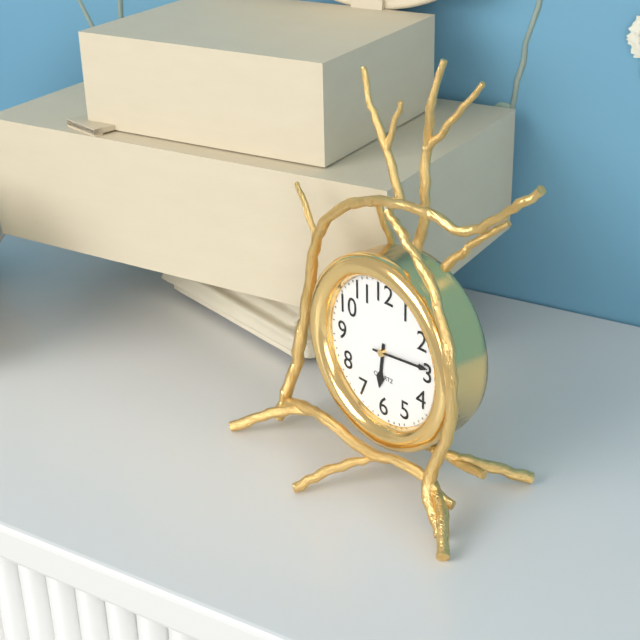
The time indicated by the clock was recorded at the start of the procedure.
6:14
